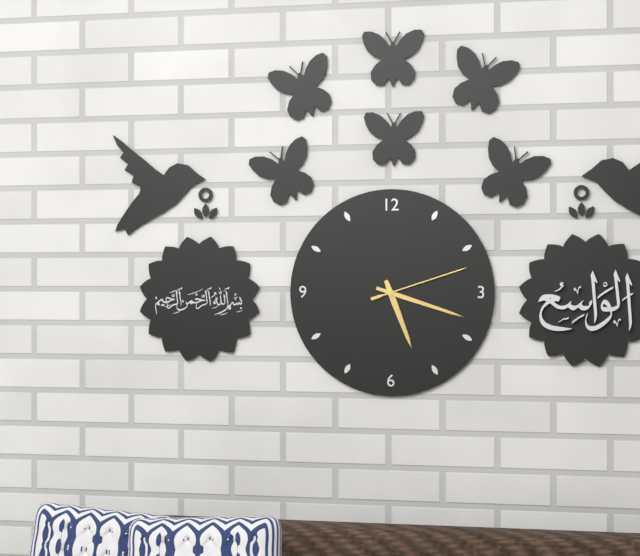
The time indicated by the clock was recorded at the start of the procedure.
5:18:12
